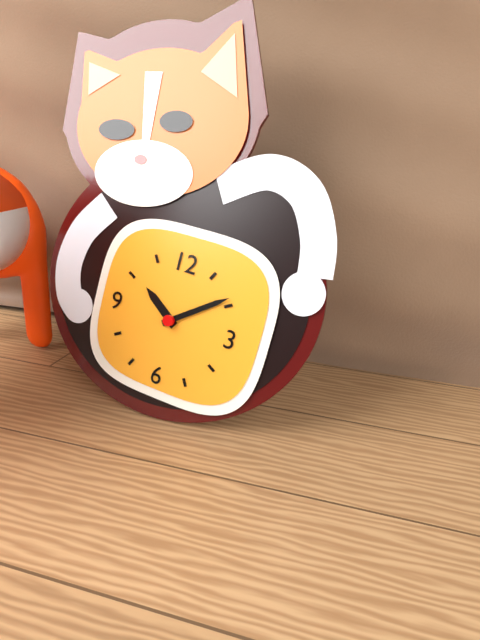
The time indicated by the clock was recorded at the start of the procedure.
10:09
